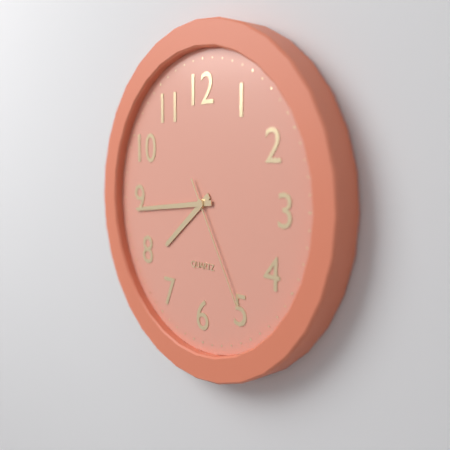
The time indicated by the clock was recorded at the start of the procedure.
7:44:25
